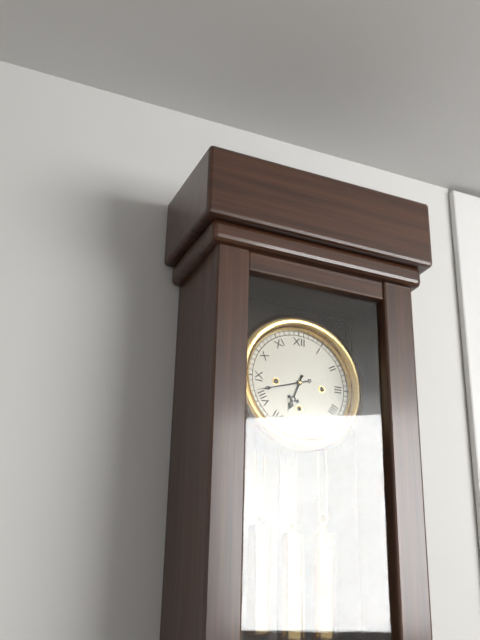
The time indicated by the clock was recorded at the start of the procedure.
6:42
